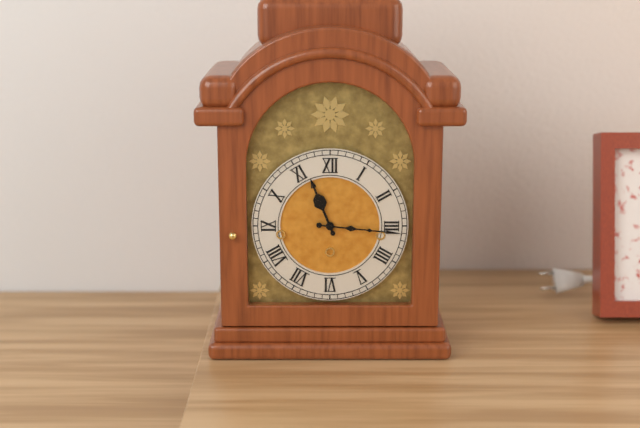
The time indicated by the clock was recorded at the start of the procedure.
11:16
